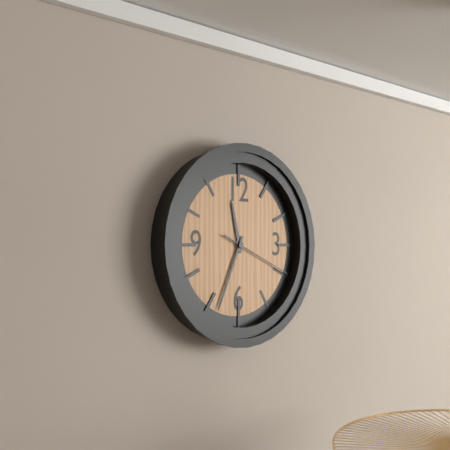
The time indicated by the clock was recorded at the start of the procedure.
11:34:19
